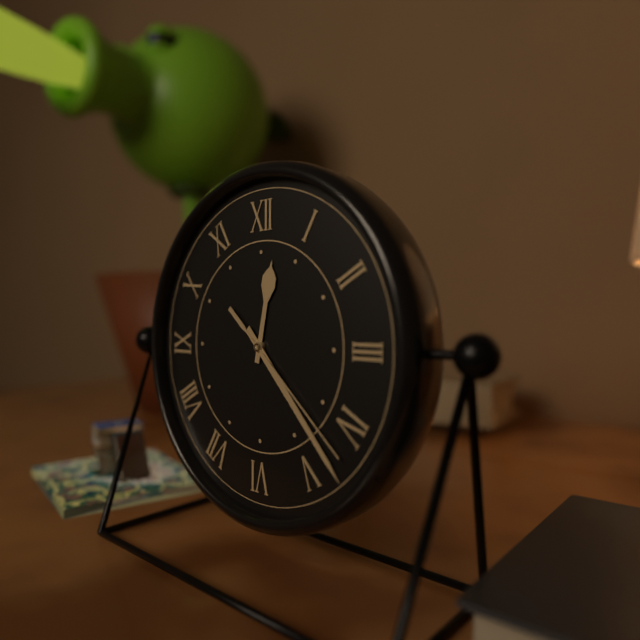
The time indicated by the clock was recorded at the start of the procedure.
12:23:22
